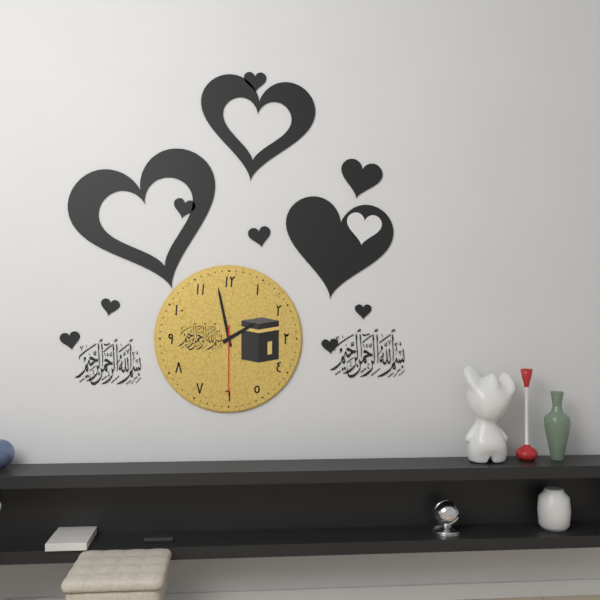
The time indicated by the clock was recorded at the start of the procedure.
1:58:30
